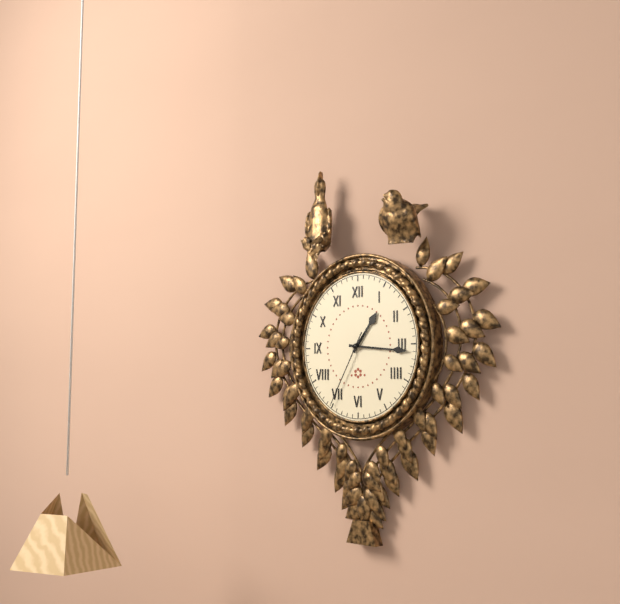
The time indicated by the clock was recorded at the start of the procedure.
1:16:35
